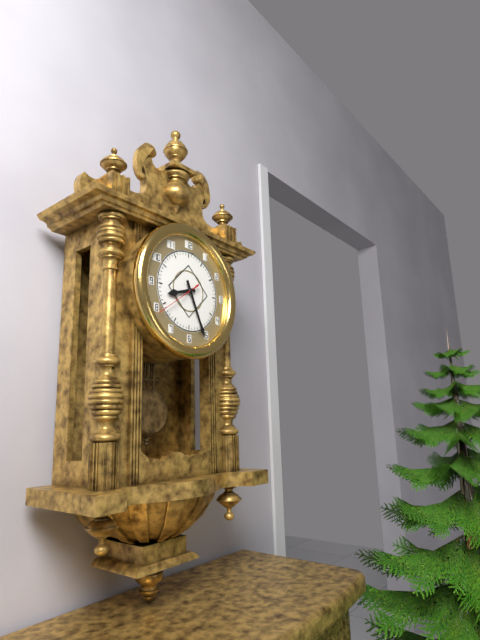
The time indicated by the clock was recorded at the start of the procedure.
8:26
